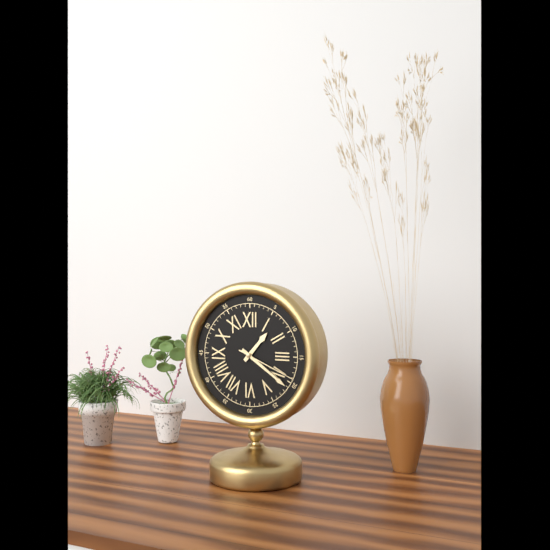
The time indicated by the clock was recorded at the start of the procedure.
1:21:19
